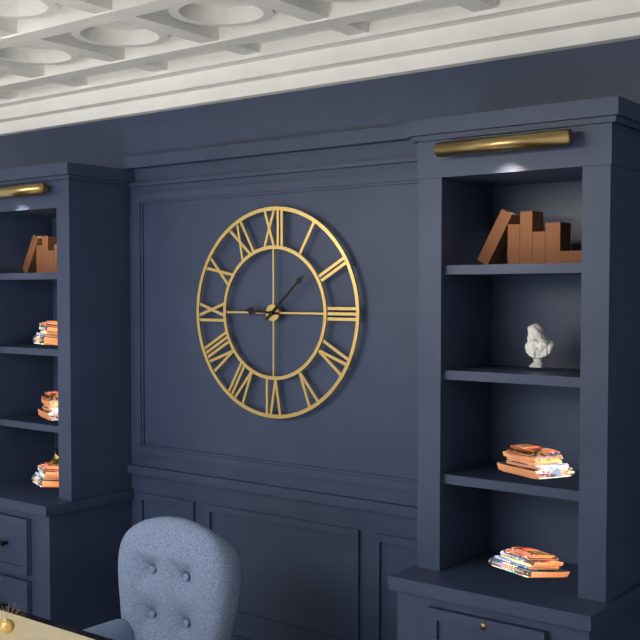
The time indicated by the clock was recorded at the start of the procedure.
9:08
